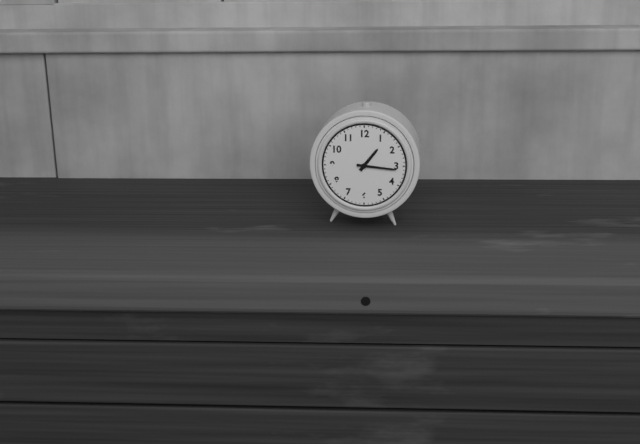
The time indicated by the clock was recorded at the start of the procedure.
1:16
